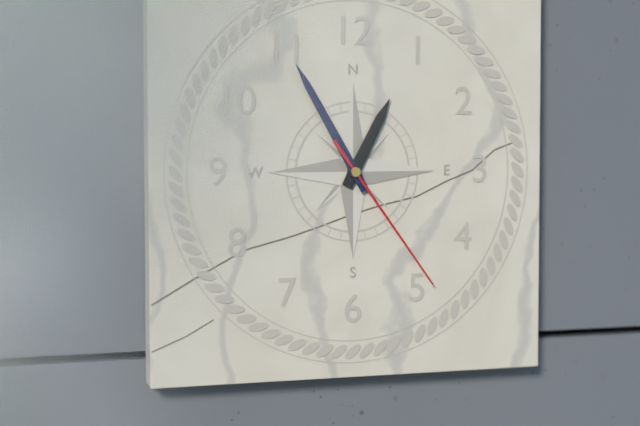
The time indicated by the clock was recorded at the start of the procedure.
12:55:24
